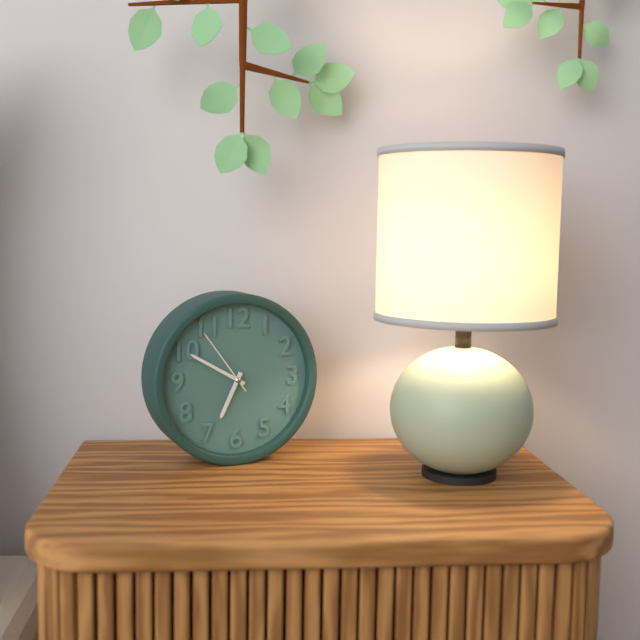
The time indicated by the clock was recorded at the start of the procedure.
6:50:54
